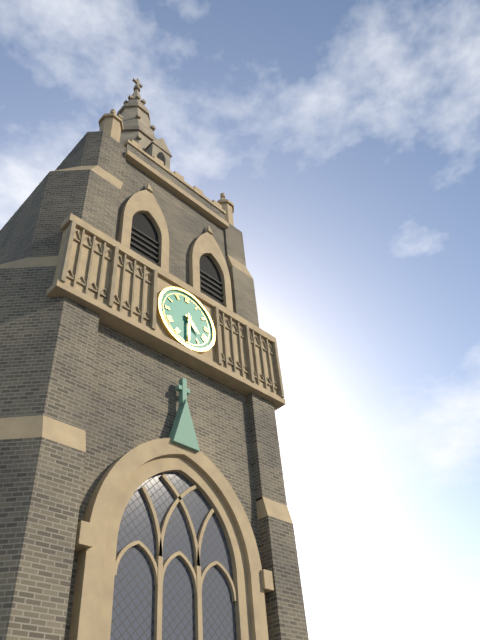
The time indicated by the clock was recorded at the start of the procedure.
4:30
